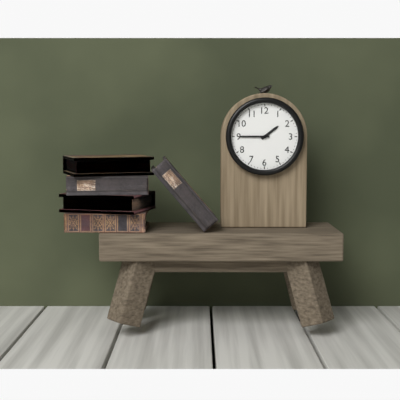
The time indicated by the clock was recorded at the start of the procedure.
1:45
